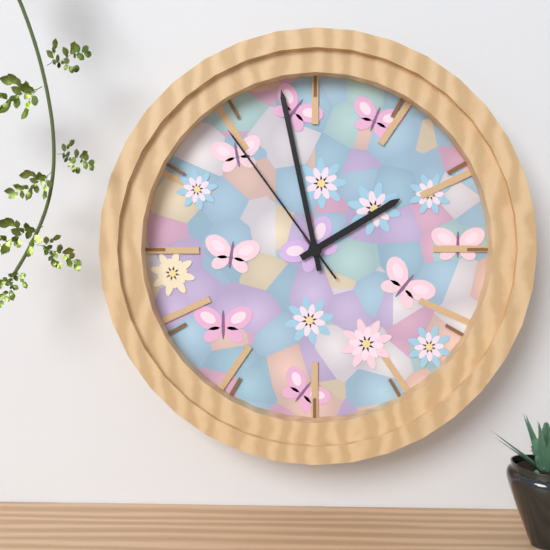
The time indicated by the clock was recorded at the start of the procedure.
1:58:54
